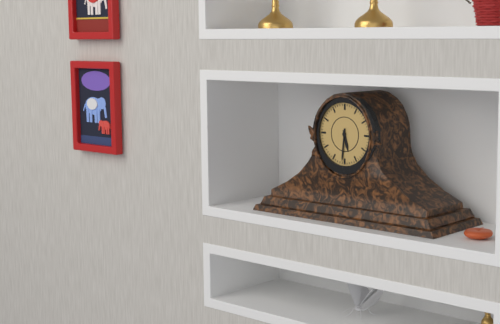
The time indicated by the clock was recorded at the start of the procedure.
5:31
